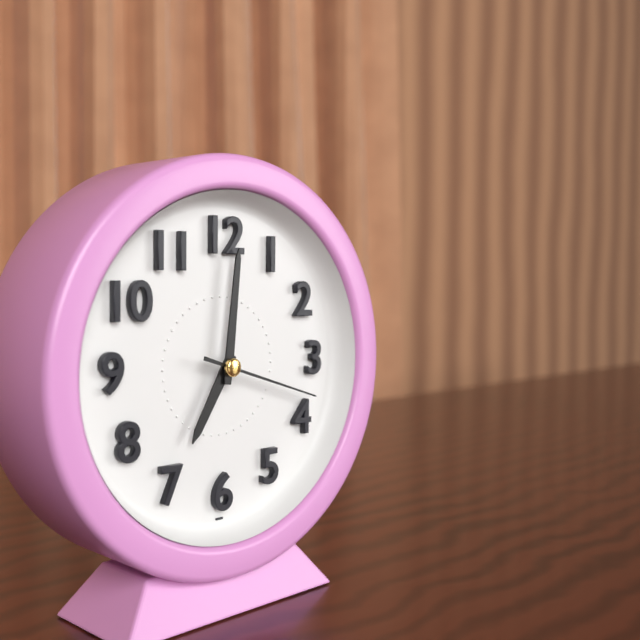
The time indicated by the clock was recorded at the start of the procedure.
7:01:18
